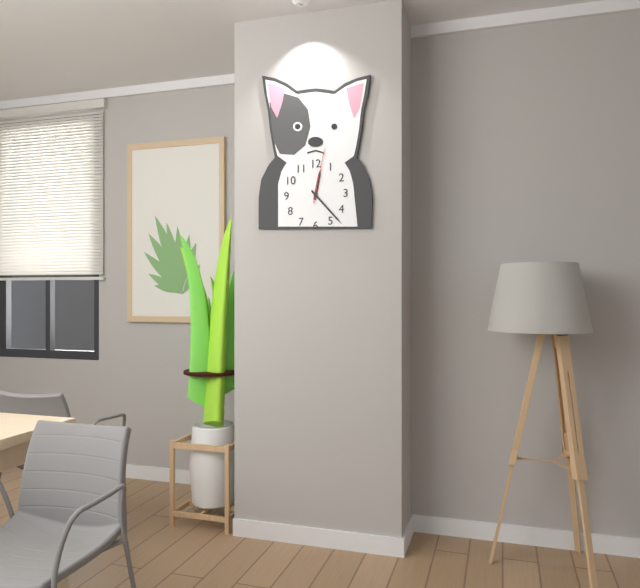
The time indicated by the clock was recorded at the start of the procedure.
12:23:02
